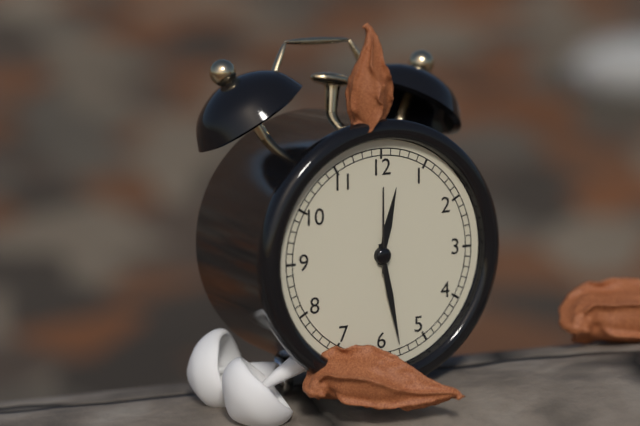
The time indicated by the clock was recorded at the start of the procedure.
12:28:00
